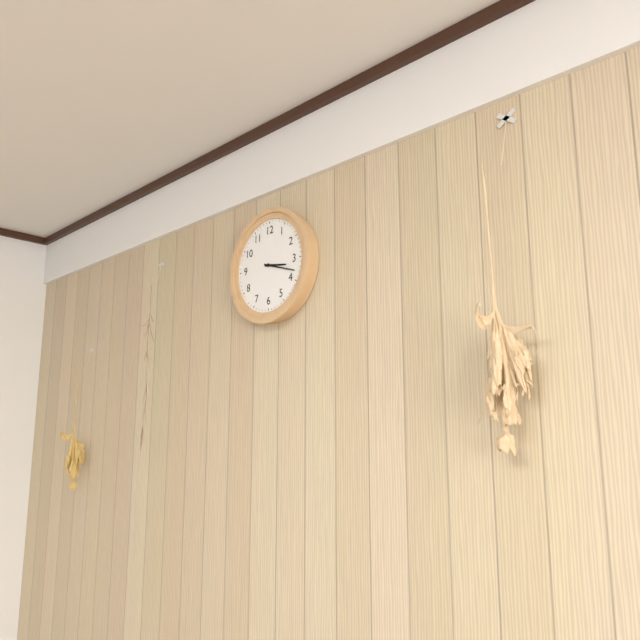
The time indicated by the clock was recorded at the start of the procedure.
3:18
